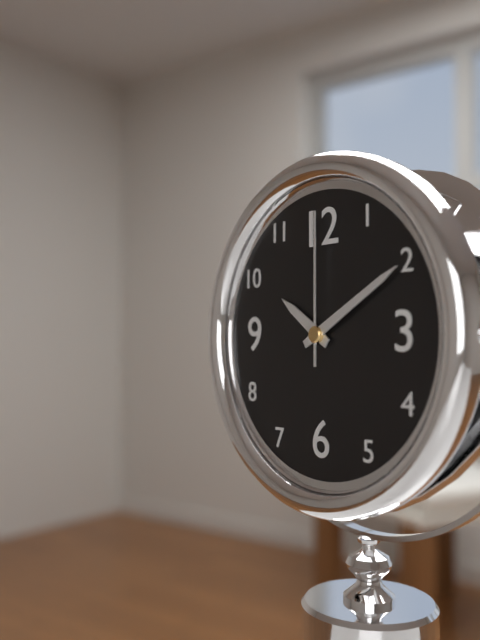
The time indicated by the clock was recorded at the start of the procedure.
10:10:00
